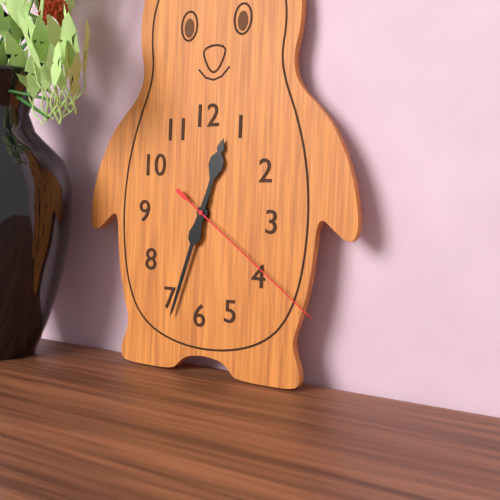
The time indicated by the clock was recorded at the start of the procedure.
12:33:21
